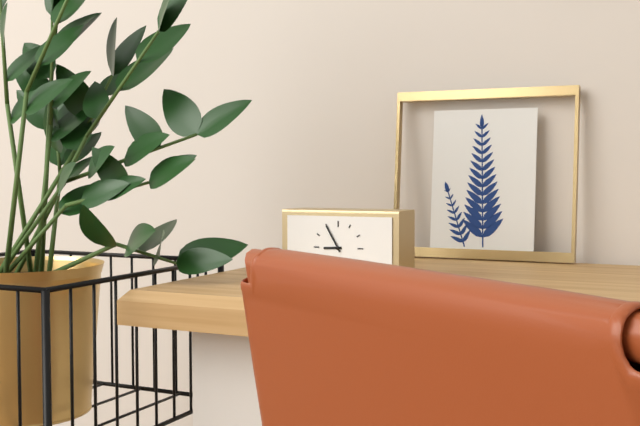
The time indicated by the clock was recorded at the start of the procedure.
8:55
